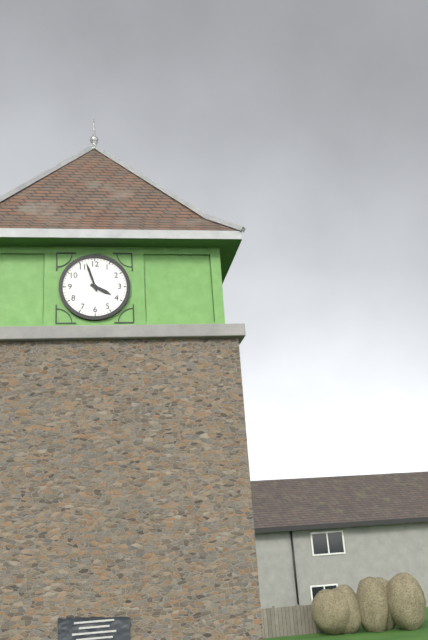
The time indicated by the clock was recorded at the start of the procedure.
3:57
